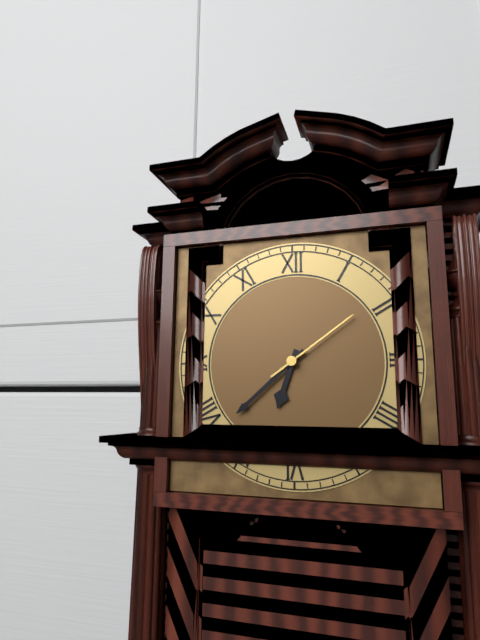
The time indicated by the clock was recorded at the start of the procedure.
6:38:09
